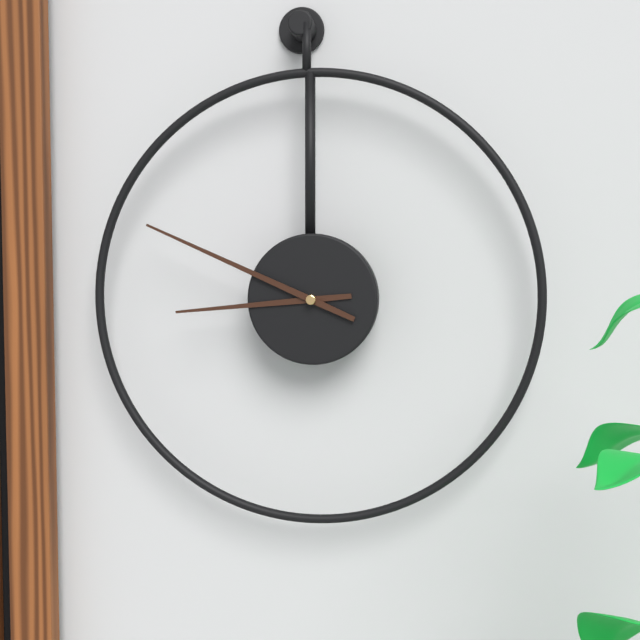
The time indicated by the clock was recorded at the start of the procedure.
8:49
